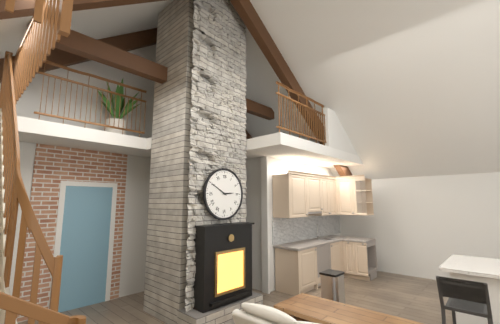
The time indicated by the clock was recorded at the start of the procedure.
2:50
